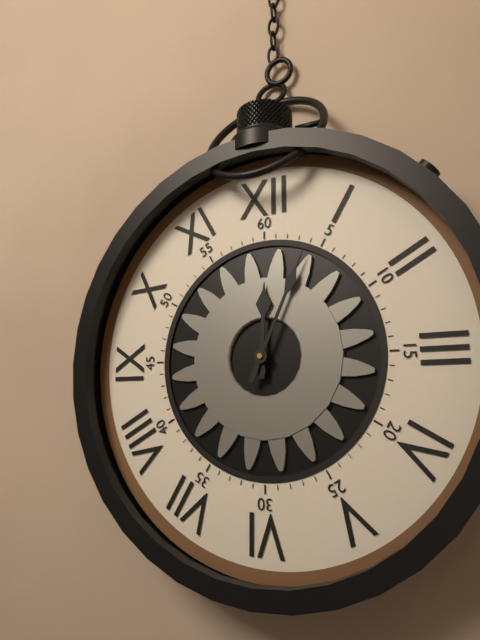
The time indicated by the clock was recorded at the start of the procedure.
12:04
